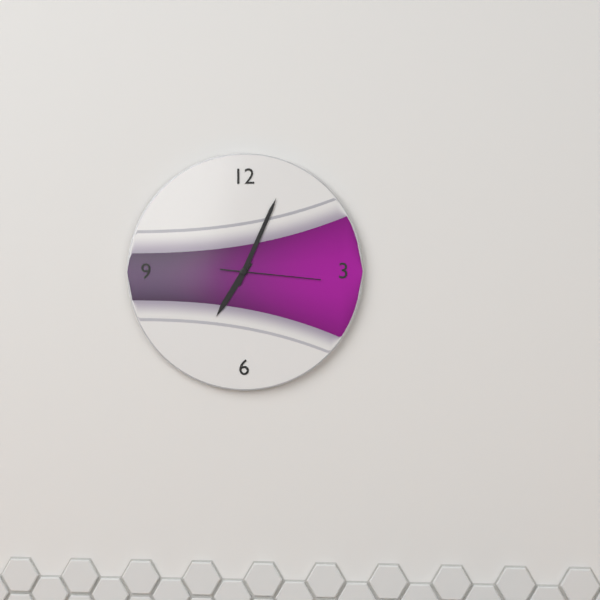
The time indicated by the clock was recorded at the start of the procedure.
7:04:16
